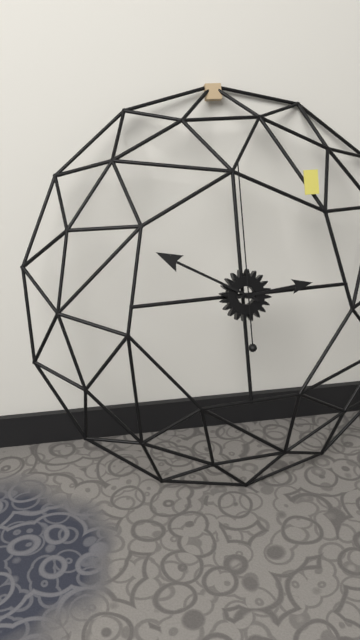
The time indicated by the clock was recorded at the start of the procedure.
2:50:00
